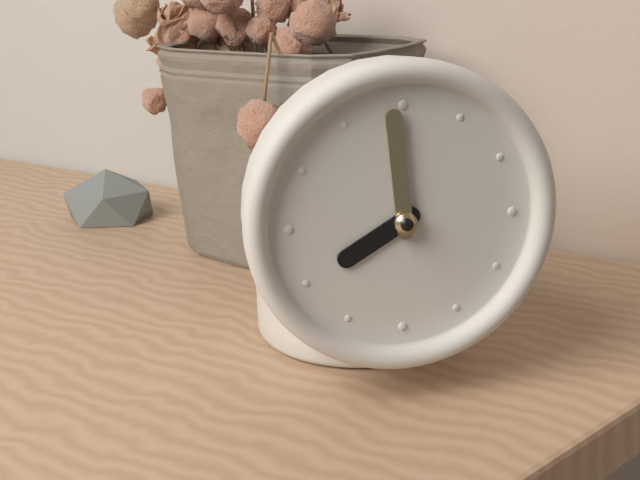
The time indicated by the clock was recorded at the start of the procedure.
7:59
